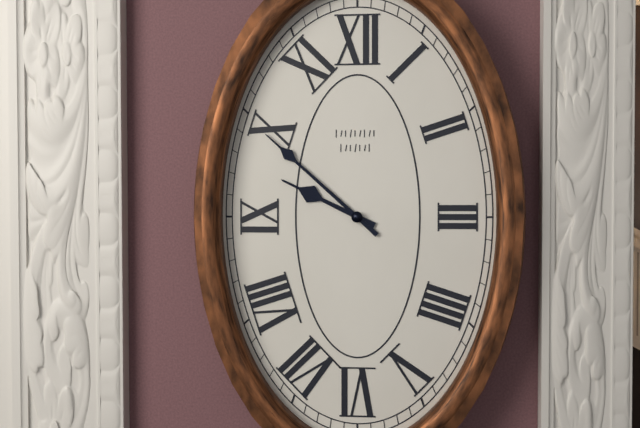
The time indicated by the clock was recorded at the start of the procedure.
9:52
